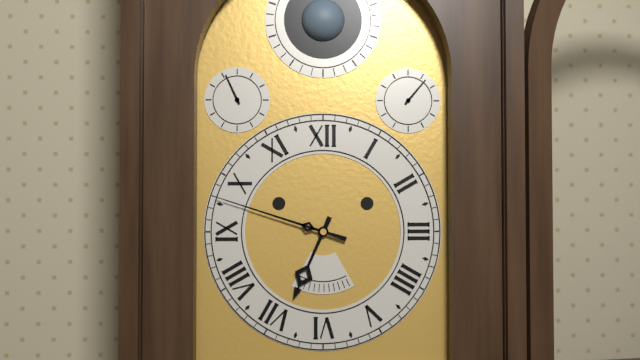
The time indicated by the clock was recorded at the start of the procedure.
6:48
